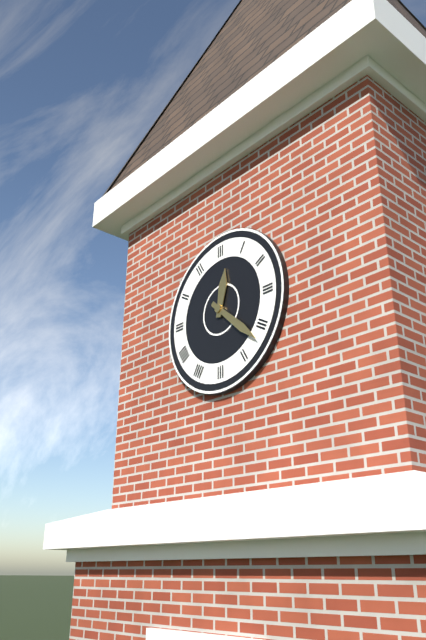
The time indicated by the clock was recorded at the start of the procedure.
12:22
